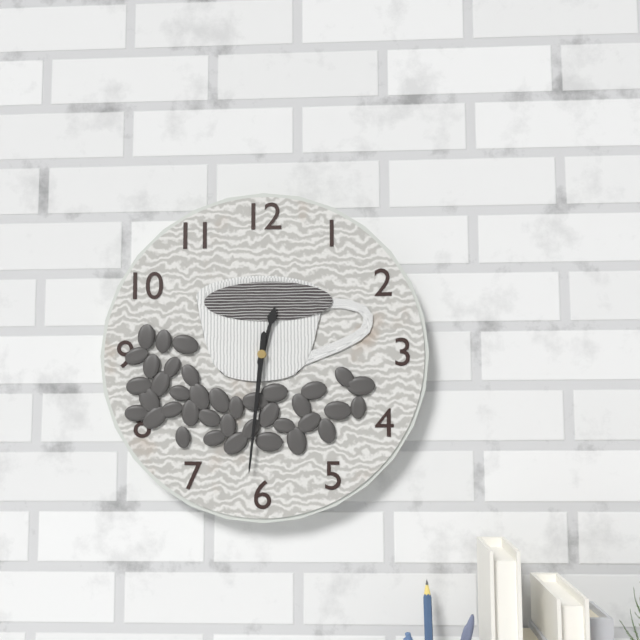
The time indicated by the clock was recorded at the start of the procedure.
12:31
